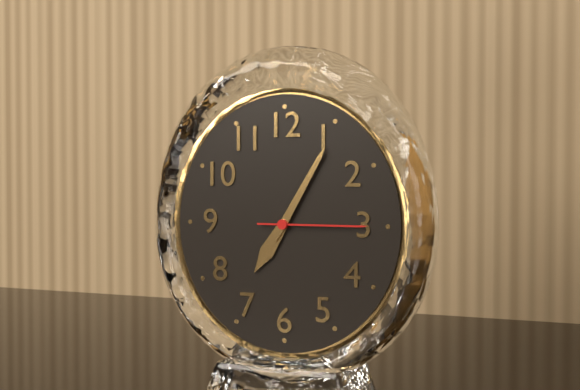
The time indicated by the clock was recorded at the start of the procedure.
7:05:15
